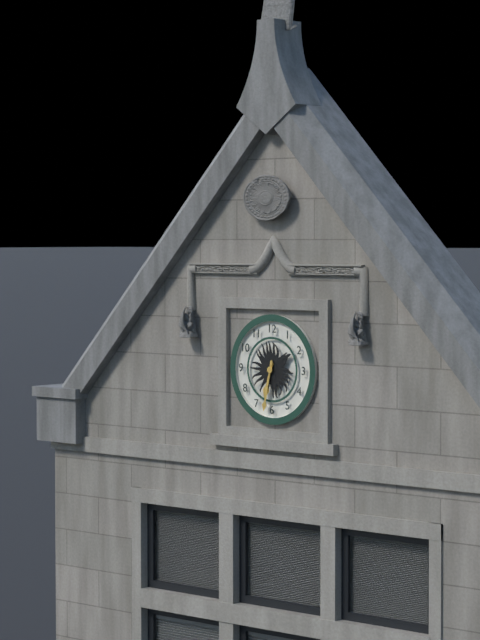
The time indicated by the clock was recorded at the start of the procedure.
6:32
